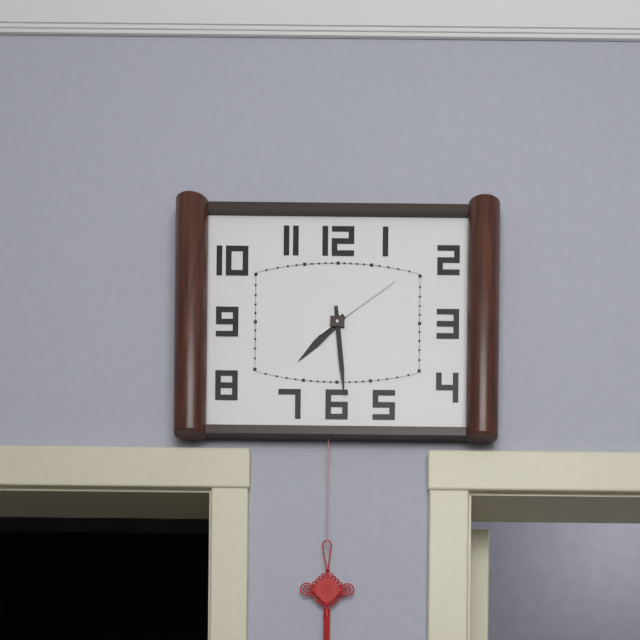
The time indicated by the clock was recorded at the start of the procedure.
7:29:09
